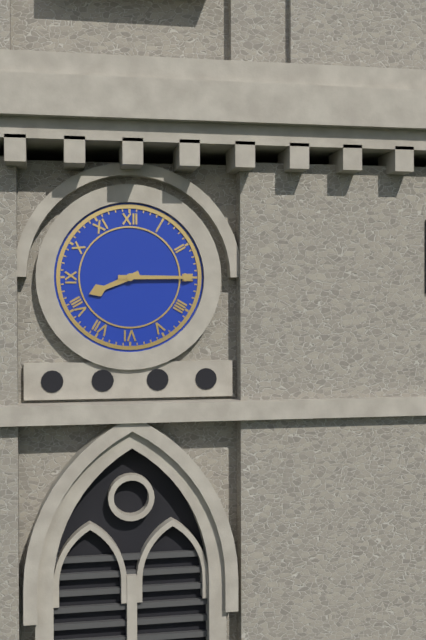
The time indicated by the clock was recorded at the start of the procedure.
8:15
